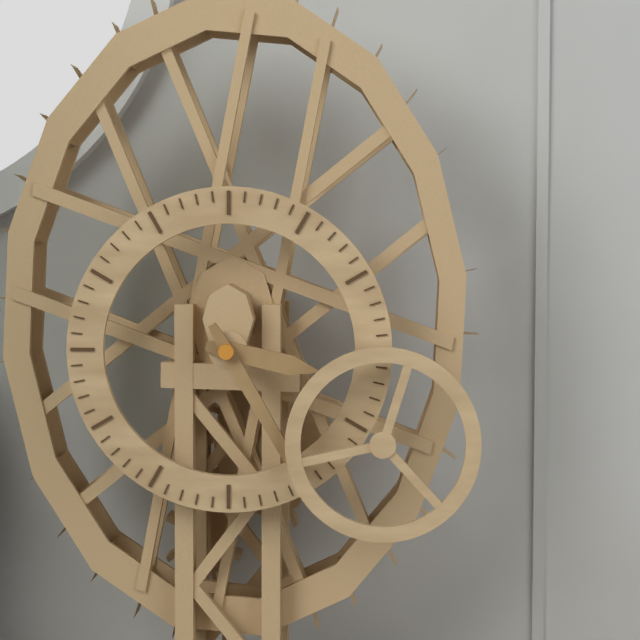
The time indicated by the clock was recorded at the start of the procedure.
3:25
